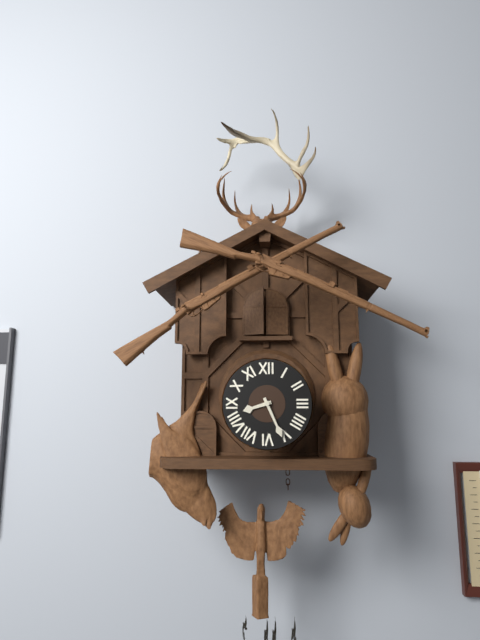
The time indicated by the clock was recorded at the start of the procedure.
8:26
